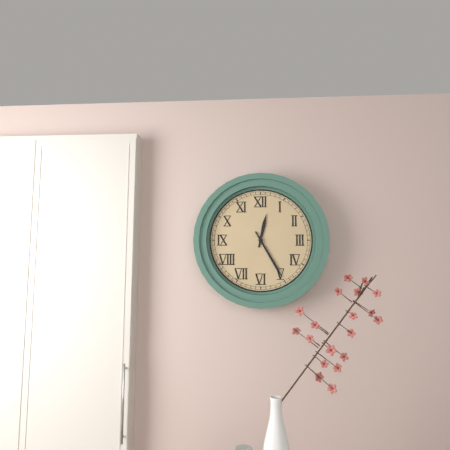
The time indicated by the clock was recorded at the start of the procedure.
12:25
